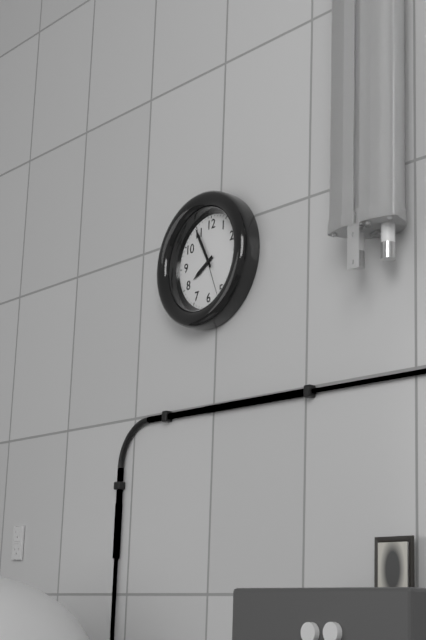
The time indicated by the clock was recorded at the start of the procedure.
7:55
